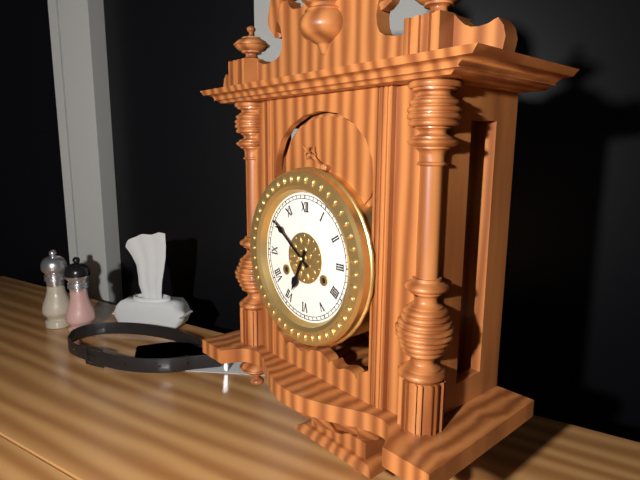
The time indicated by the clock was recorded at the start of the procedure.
6:51
